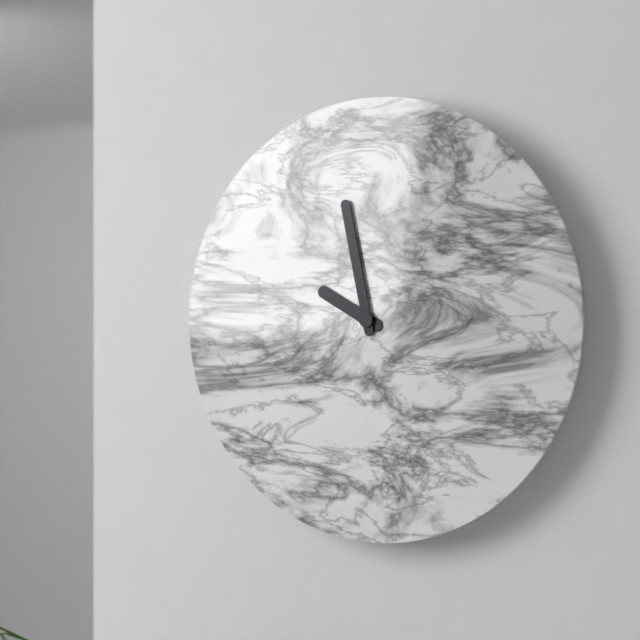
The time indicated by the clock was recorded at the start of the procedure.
9:58
